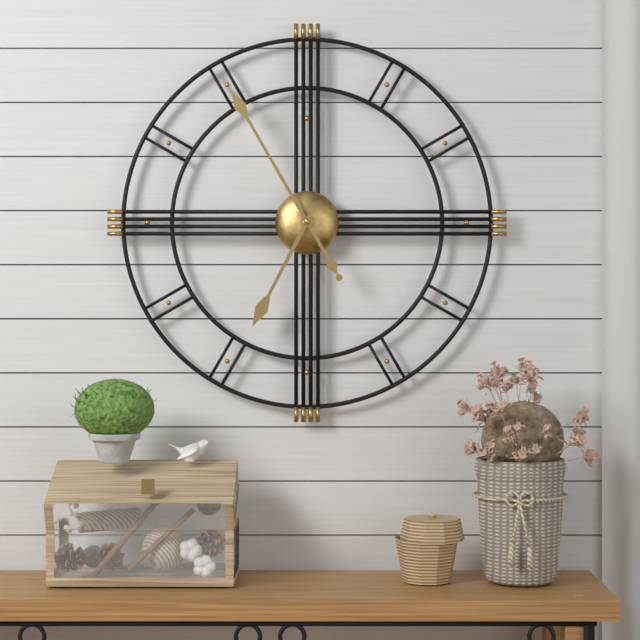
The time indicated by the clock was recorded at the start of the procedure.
6:55
